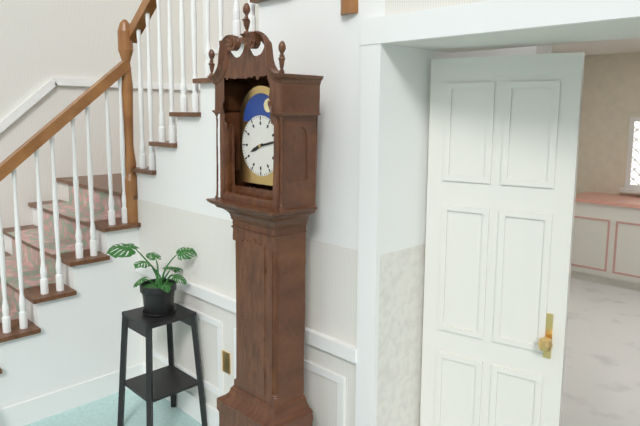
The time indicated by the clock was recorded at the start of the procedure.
8:13
